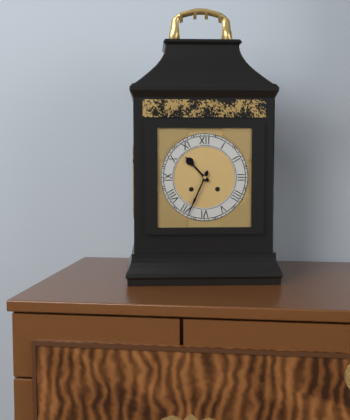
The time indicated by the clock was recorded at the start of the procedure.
10:34
